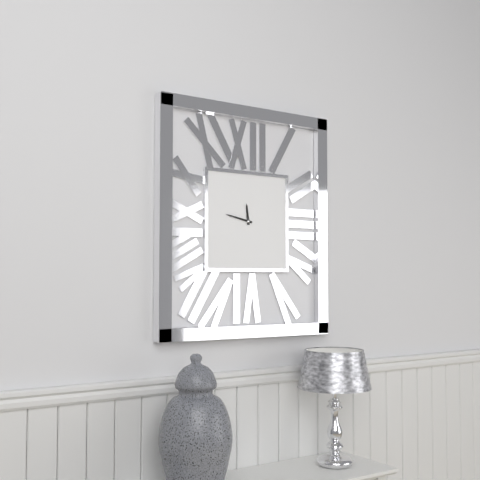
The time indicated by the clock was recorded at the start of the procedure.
11:47
